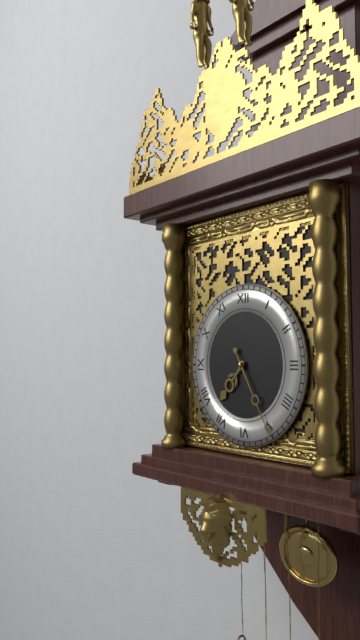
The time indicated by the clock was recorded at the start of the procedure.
7:25
